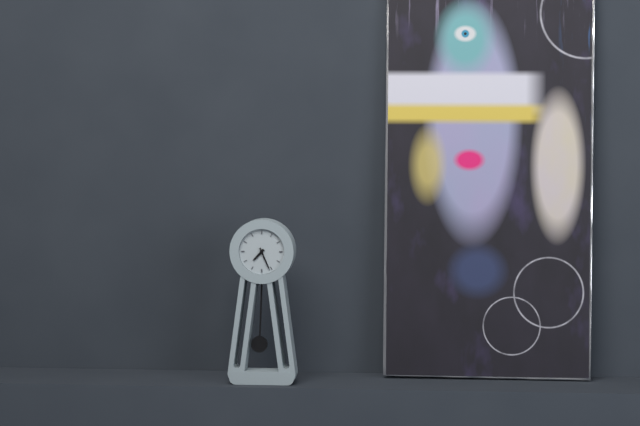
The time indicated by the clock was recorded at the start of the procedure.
7:26
